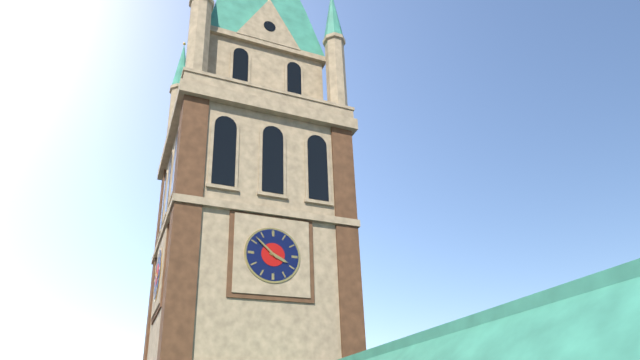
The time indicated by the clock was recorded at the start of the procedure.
3:52
